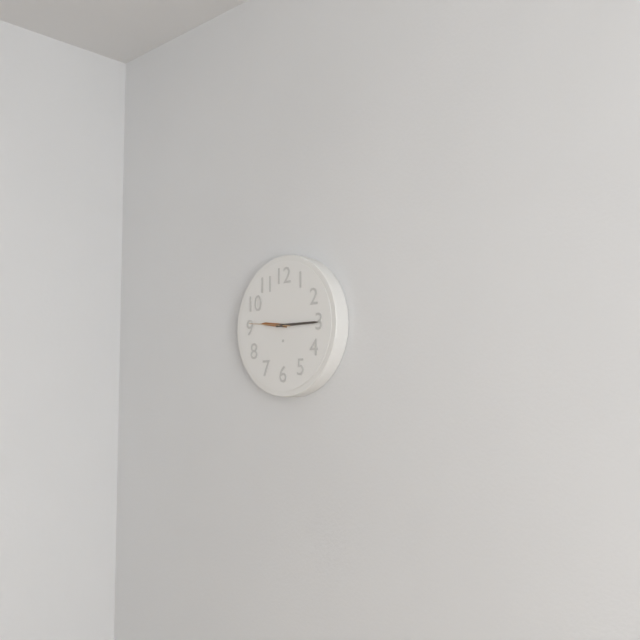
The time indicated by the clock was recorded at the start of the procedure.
9:15
